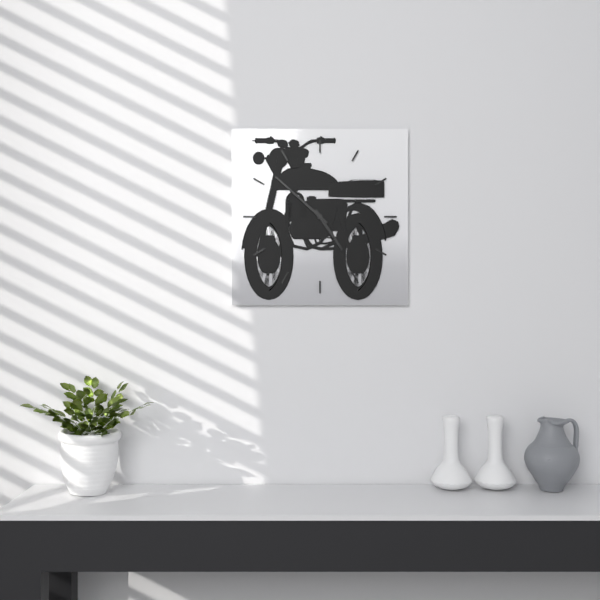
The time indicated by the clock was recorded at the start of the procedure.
4:52
